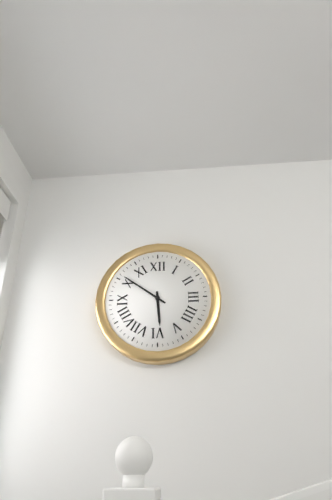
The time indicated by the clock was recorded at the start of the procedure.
5:51
